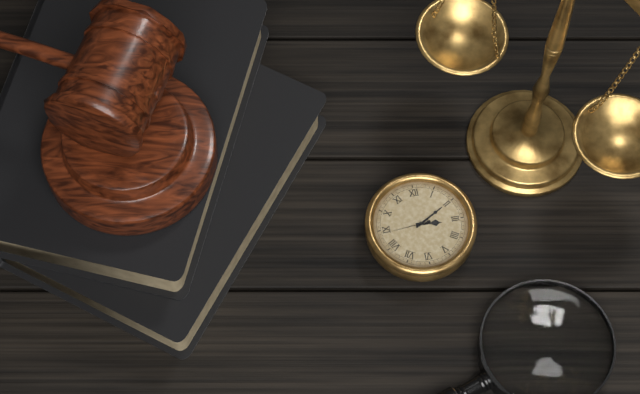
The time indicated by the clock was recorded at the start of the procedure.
3:10
